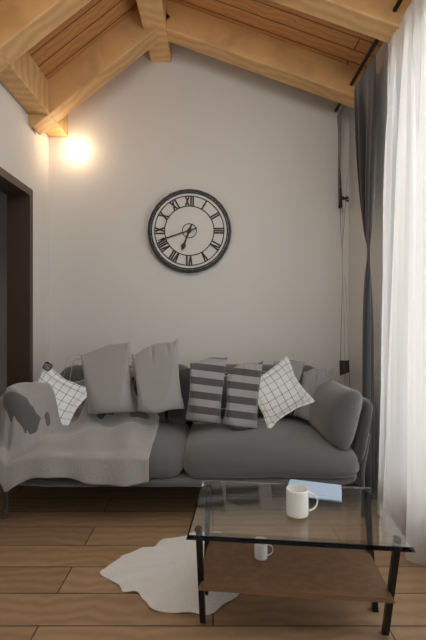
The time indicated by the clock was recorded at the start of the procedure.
6:42
